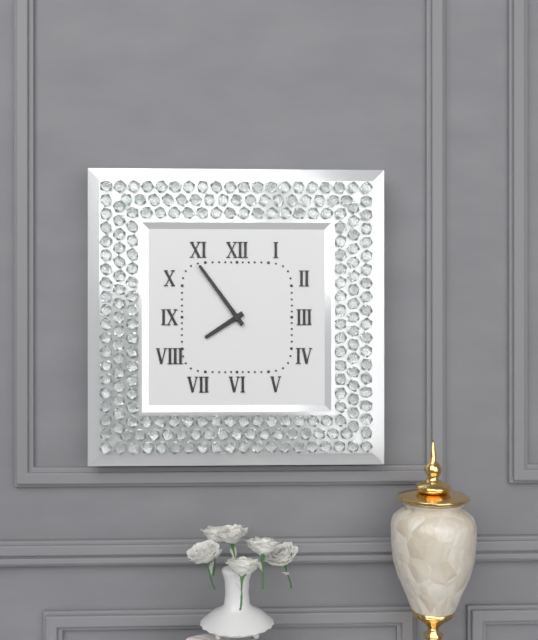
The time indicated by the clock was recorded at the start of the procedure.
7:54
